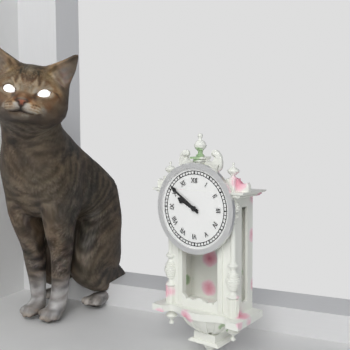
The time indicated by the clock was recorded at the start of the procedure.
9:51
